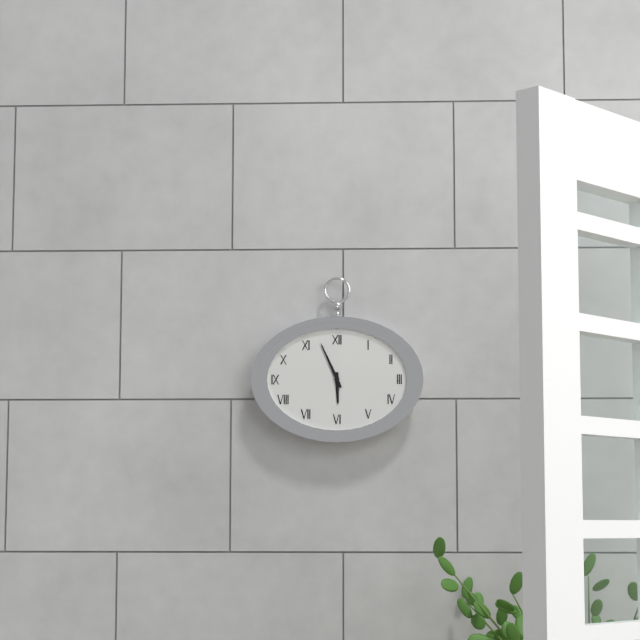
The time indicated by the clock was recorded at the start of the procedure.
5:56
